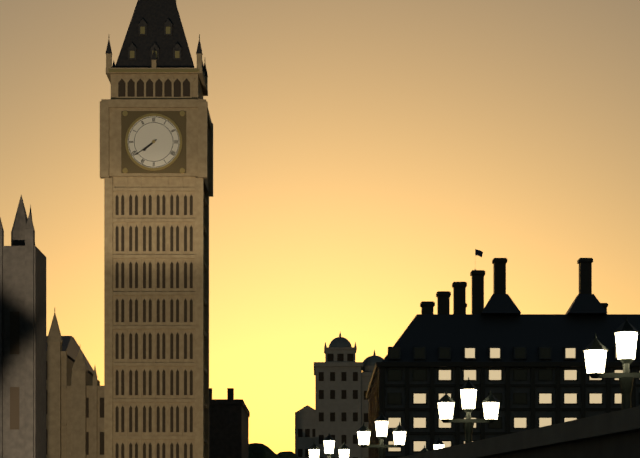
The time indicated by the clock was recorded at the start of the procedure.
7:39
